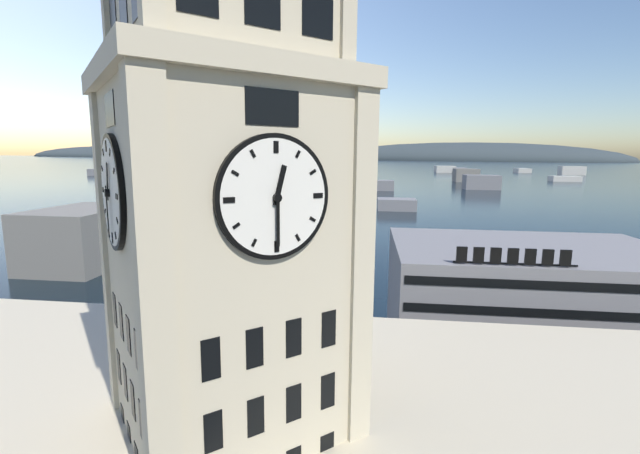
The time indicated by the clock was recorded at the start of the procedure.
12:30
